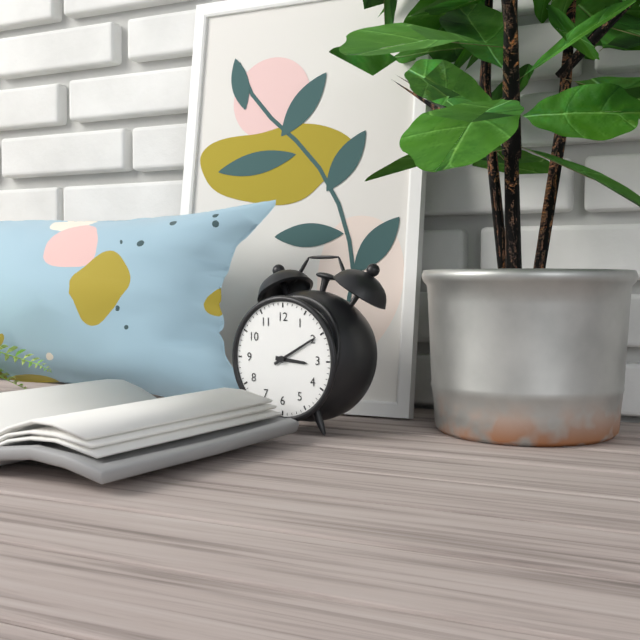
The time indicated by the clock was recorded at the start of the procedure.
3:10
